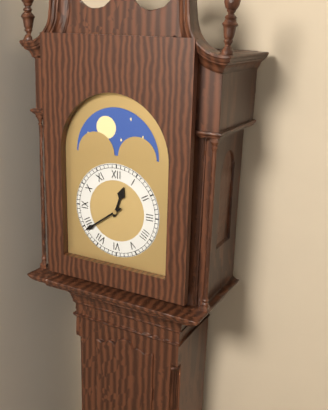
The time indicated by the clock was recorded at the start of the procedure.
12:39
